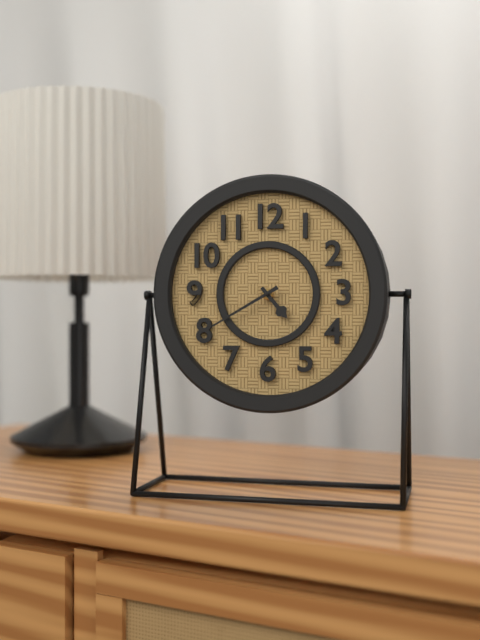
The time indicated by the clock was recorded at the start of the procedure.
4:40
